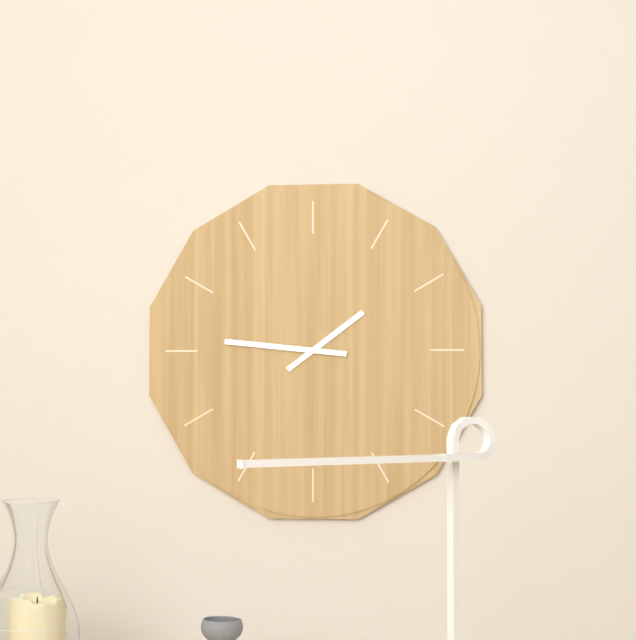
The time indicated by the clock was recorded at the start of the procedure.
1:46
